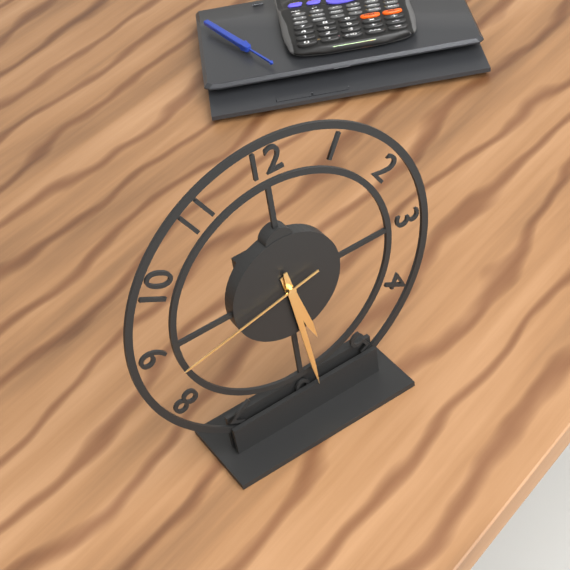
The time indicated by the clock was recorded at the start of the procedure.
5:29:43
